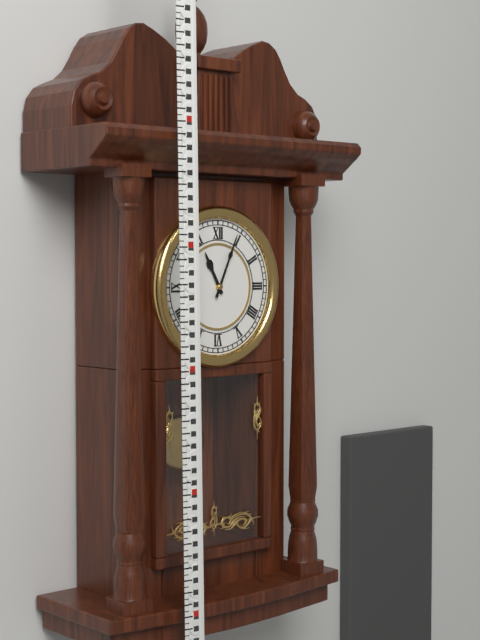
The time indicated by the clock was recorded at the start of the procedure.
11:04
